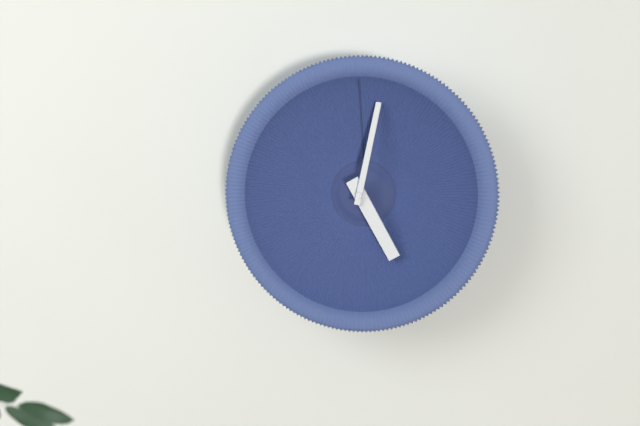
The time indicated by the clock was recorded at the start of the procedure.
5:02
